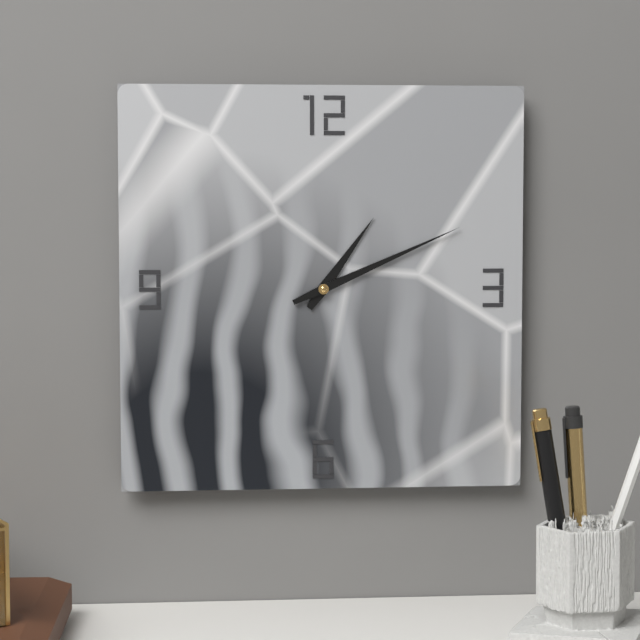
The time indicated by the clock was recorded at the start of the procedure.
1:11
